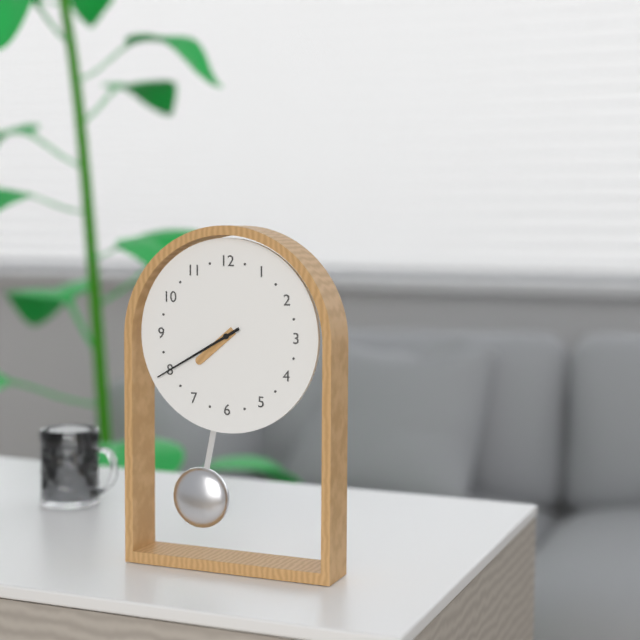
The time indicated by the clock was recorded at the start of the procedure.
7:40
